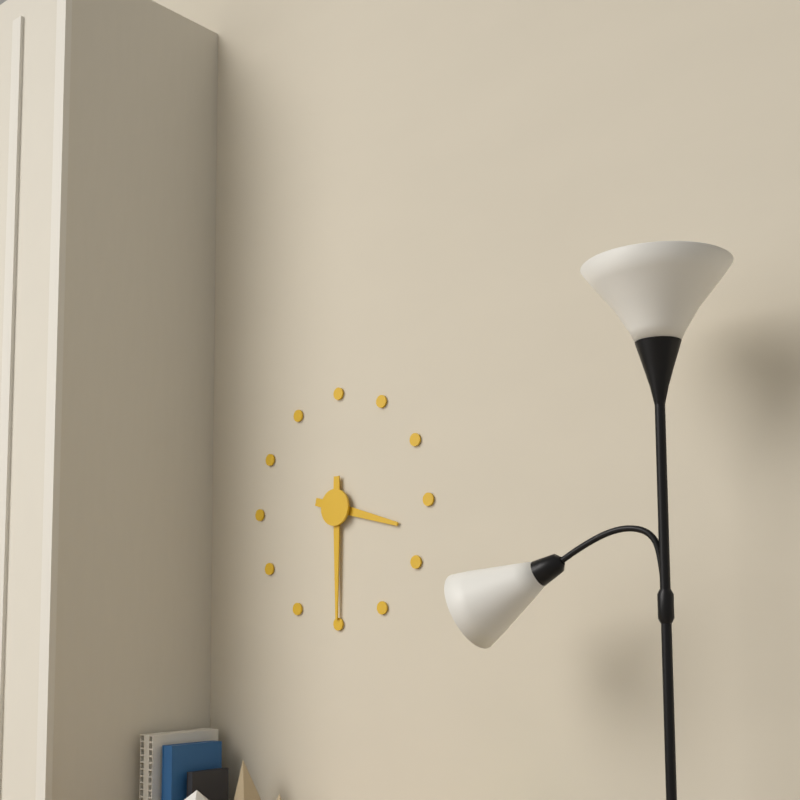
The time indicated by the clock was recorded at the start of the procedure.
3:30
